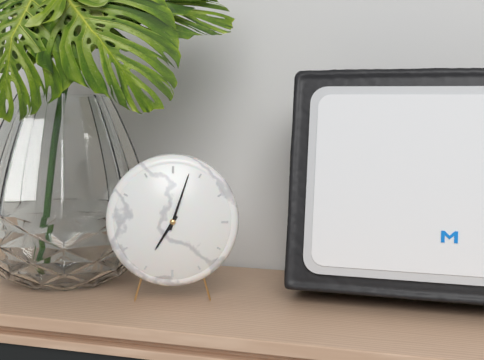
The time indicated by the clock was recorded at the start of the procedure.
7:03
